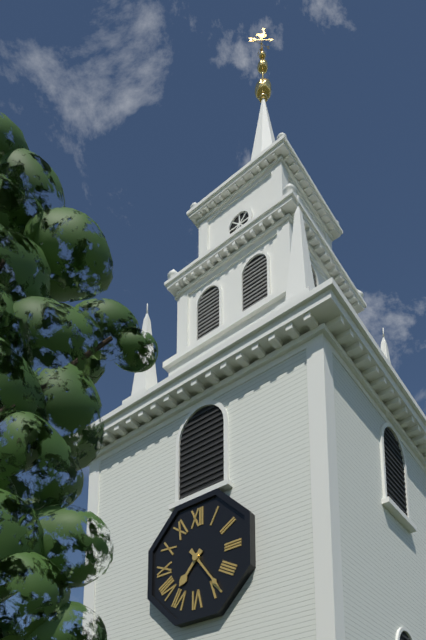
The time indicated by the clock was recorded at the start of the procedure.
7:24
